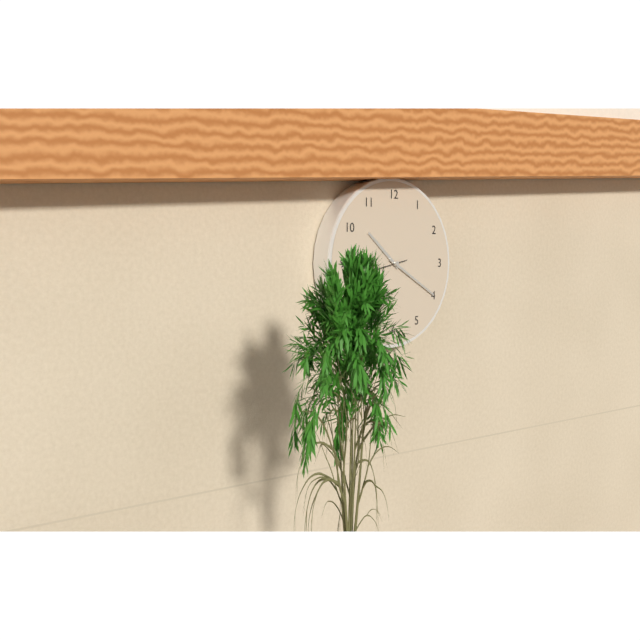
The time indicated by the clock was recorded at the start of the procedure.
10:20
